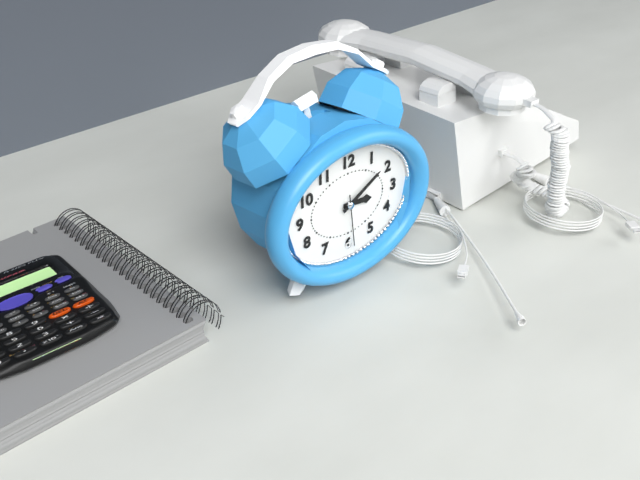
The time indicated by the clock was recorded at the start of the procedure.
3:10:29
